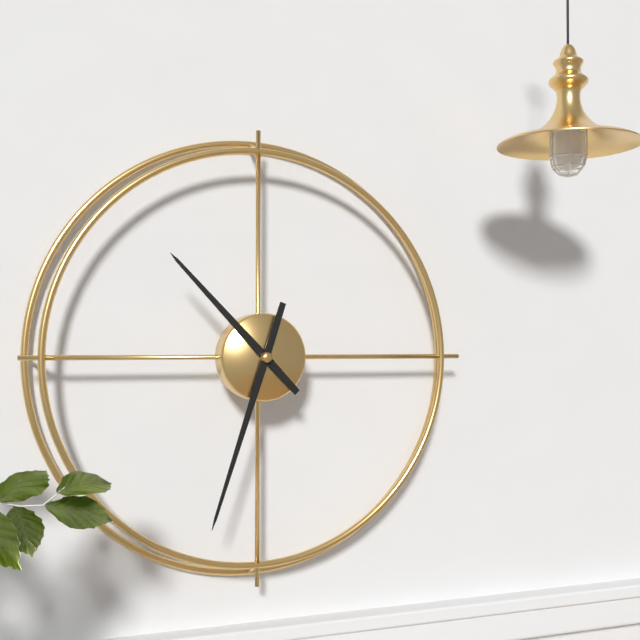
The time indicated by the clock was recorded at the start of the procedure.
10:33
